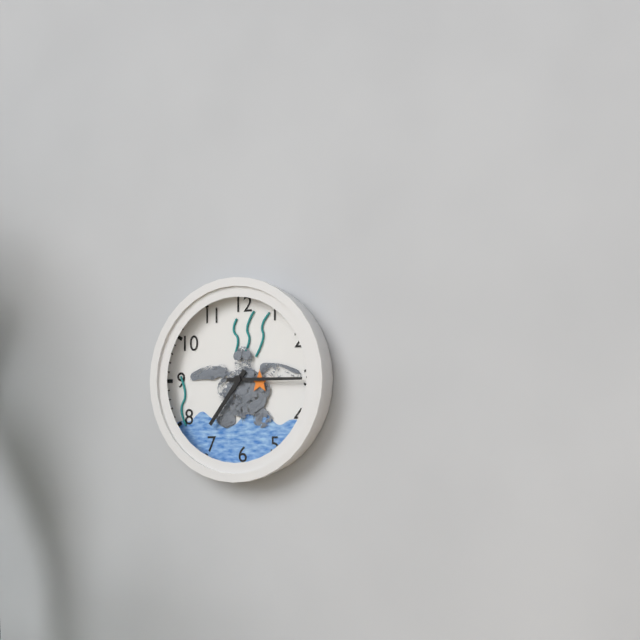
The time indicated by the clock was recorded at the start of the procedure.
7:15
